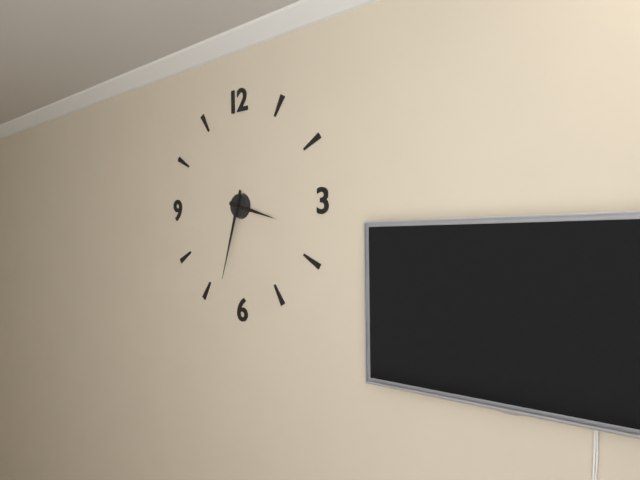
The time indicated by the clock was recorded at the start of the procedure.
3:33
